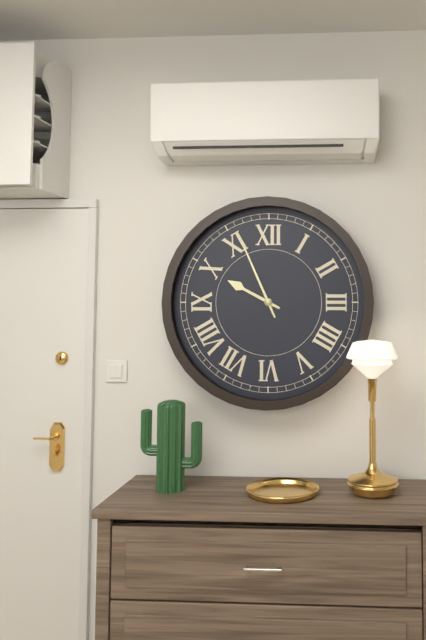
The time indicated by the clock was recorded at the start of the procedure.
9:56
